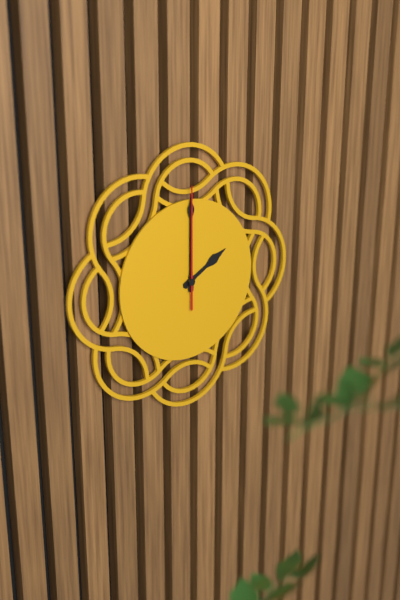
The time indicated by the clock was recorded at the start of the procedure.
2:00:00
